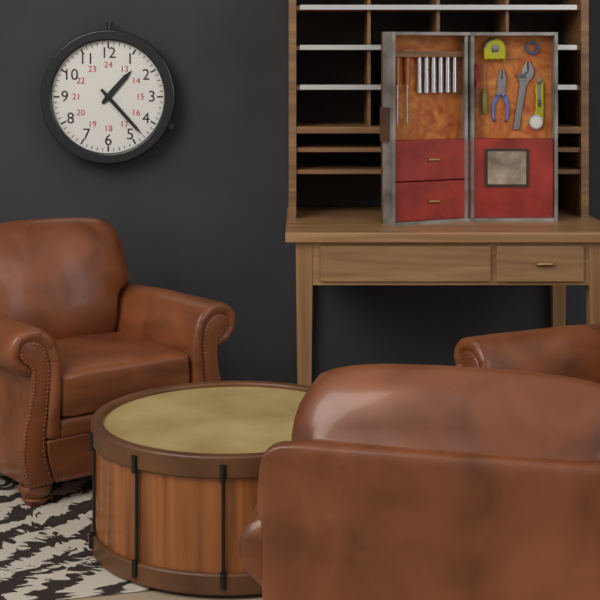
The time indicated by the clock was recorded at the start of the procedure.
1:23
